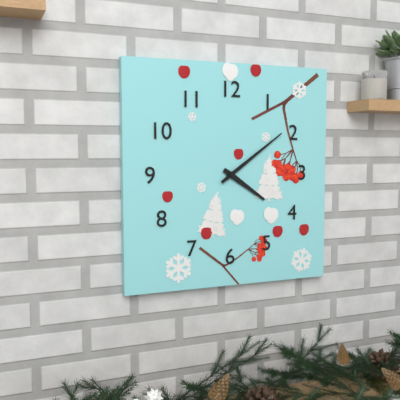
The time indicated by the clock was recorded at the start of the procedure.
4:09
